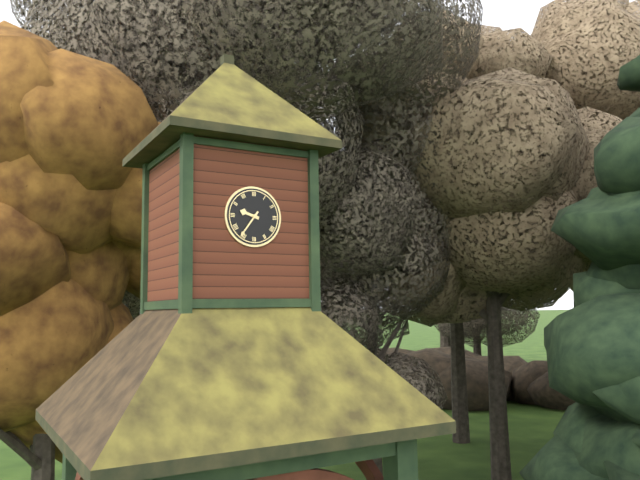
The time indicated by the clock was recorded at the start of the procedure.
9:36
